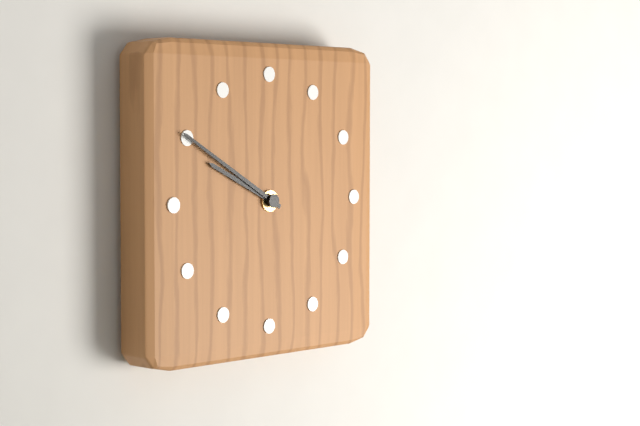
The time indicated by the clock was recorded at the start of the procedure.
9:50
